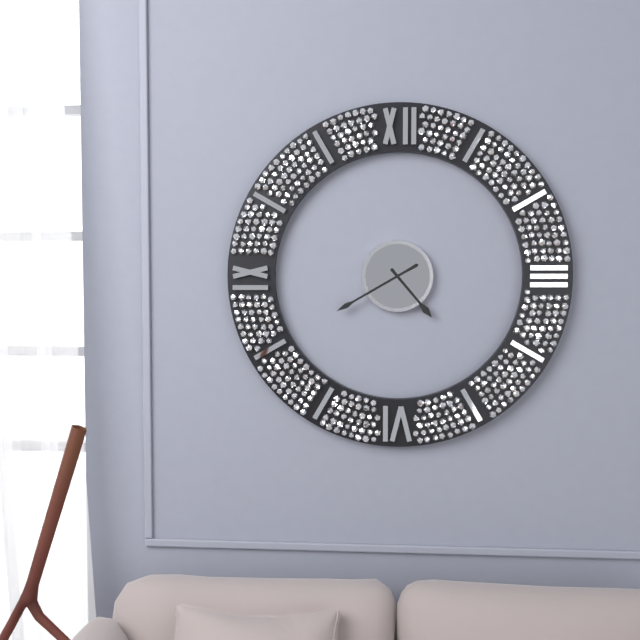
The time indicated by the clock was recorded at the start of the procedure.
4:40
